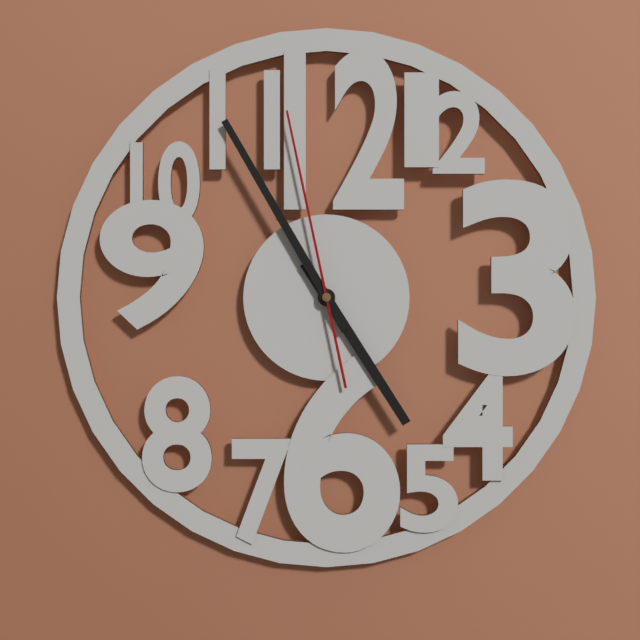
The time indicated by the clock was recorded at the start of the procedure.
4:55:58
